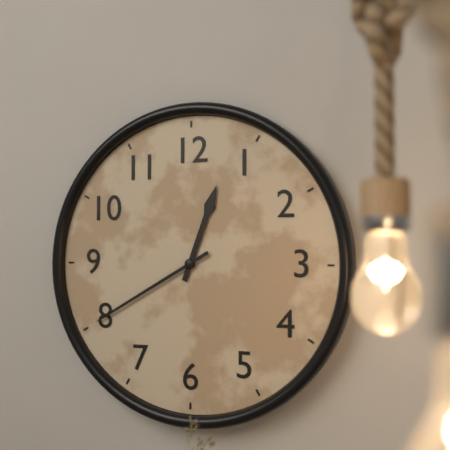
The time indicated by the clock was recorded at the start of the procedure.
12:40
